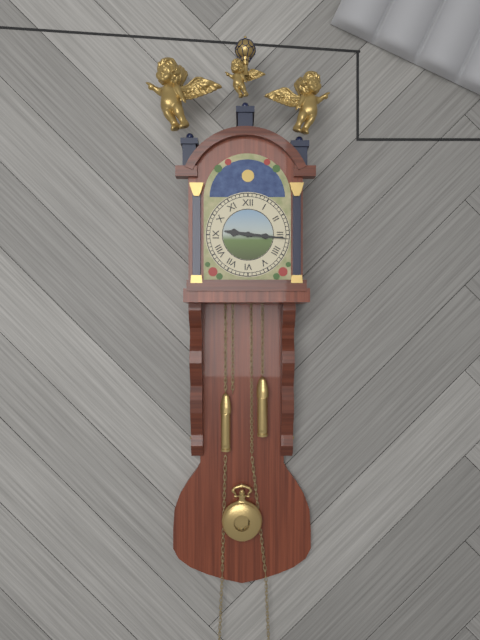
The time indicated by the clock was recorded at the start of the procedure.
9:16
